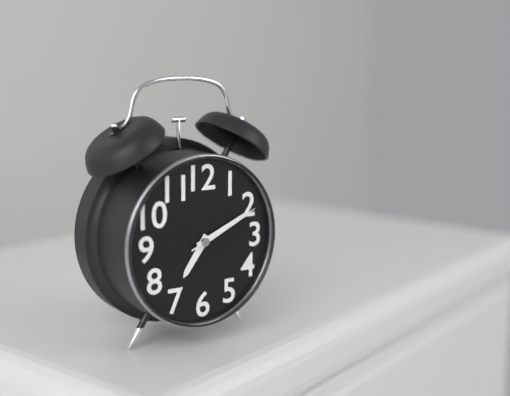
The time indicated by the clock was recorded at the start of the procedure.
7:11:11
